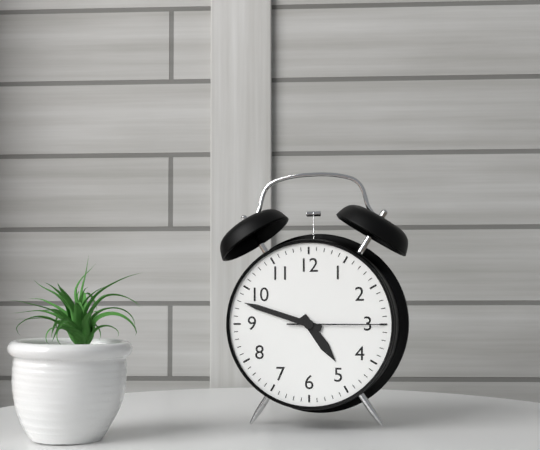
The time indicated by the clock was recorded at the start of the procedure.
4:48:15
